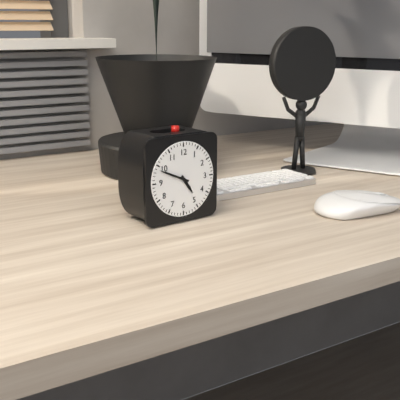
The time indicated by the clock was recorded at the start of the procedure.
4:49
